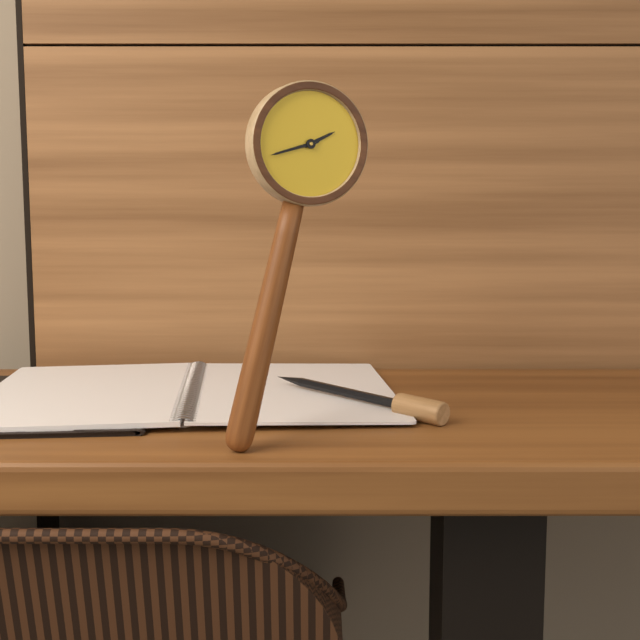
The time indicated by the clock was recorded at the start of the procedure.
1:40
